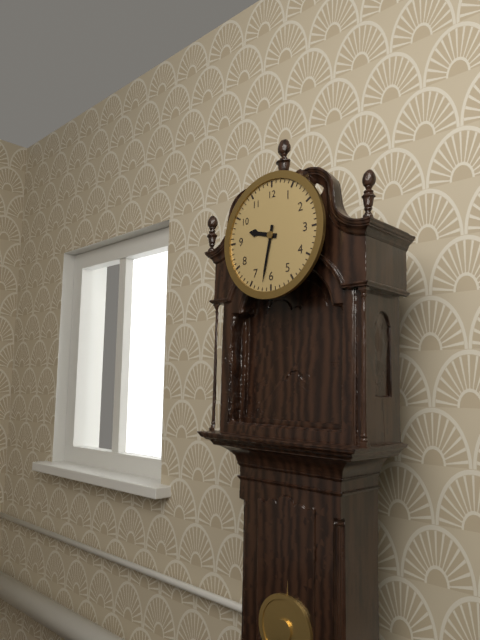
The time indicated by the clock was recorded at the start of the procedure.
9:32
